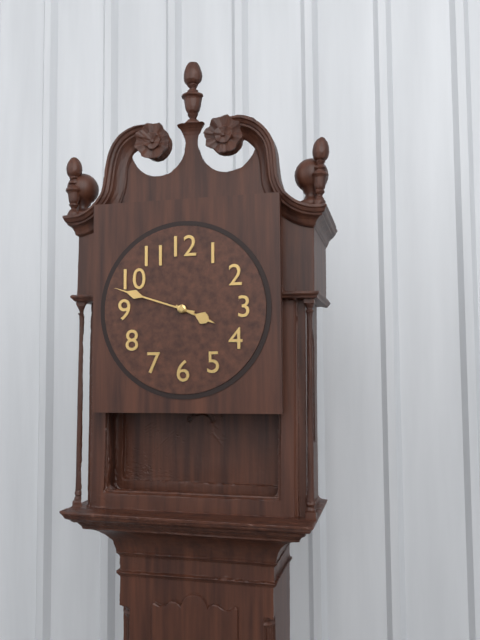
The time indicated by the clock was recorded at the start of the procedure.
3:48
